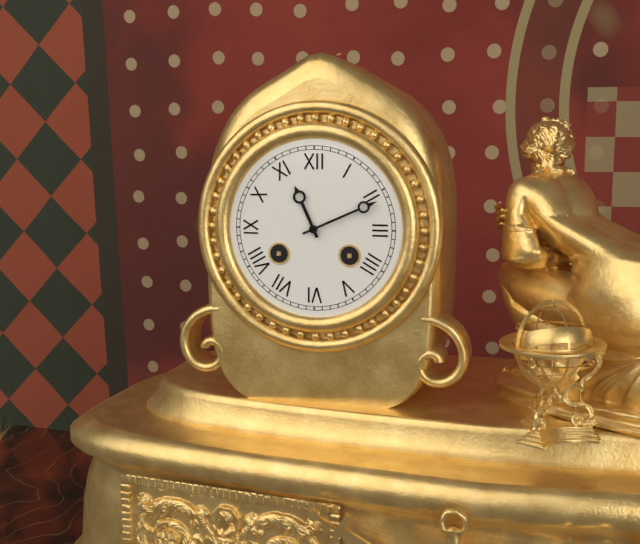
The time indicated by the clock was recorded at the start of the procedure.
11:11
